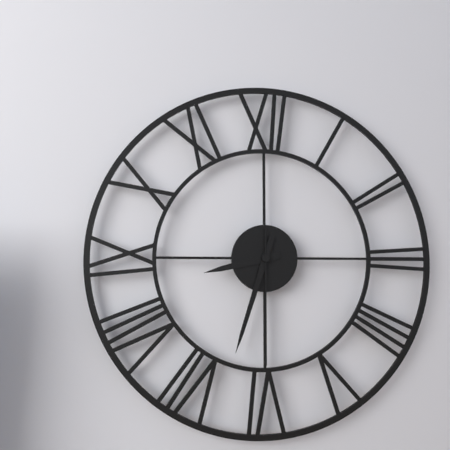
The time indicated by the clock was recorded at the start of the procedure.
8:33:30
